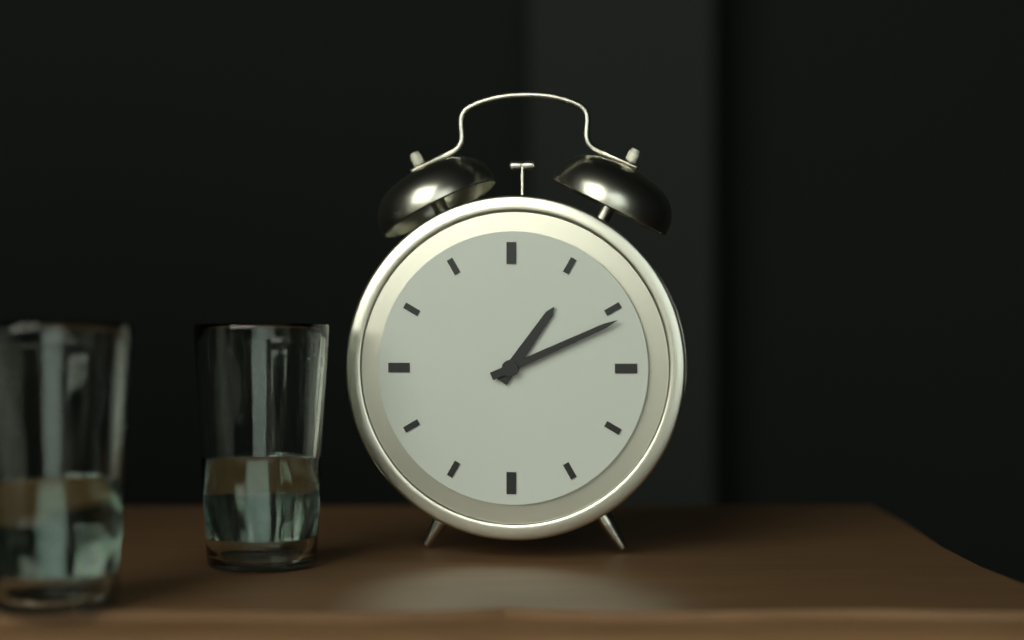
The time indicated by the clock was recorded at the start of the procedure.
1:11
